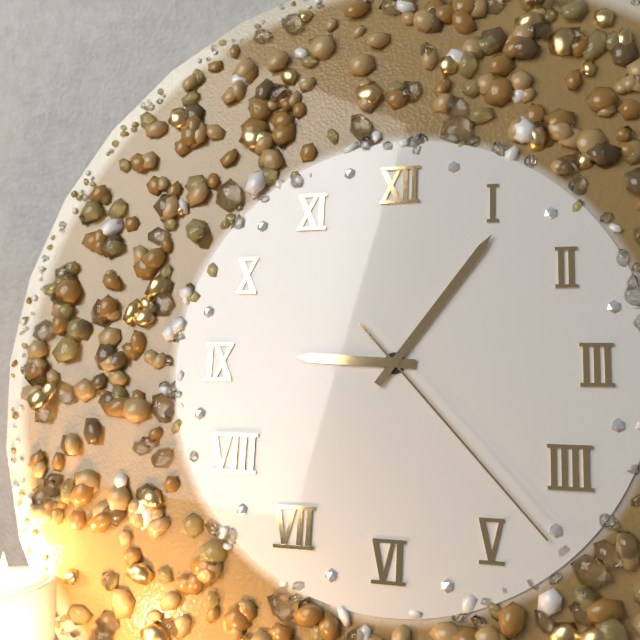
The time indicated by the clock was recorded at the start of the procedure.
9:06:23
